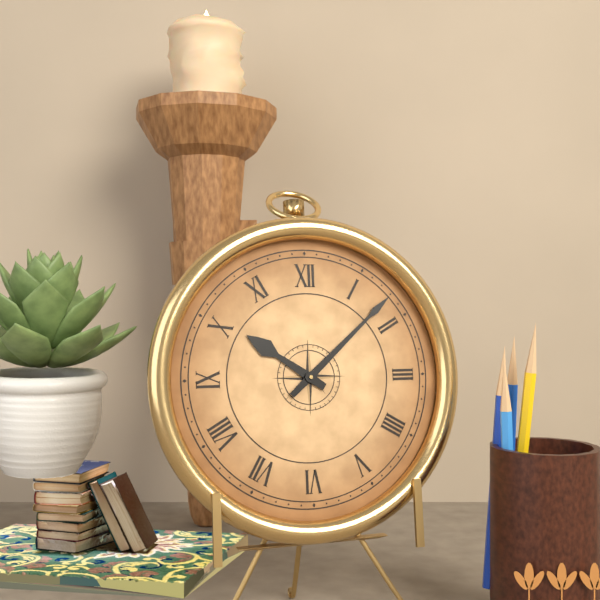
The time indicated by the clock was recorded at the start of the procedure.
10:08
